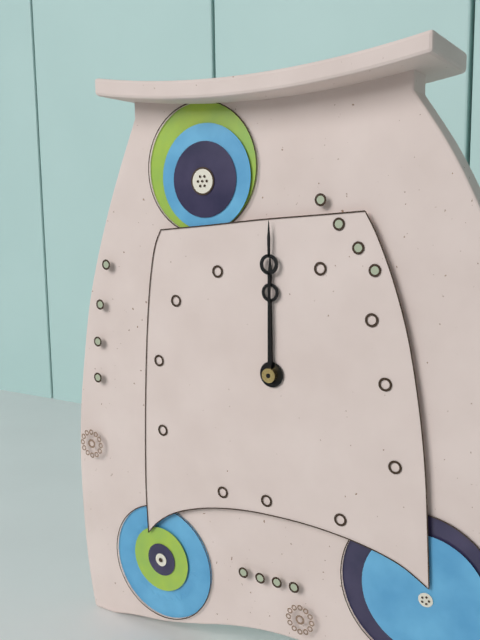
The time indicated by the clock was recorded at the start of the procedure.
12:00
